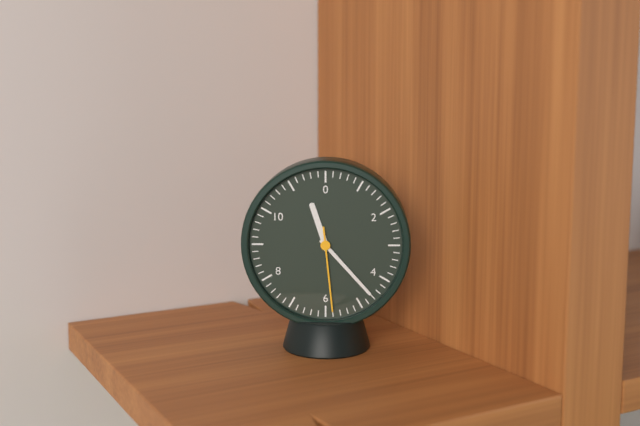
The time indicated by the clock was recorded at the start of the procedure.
11:23:29
